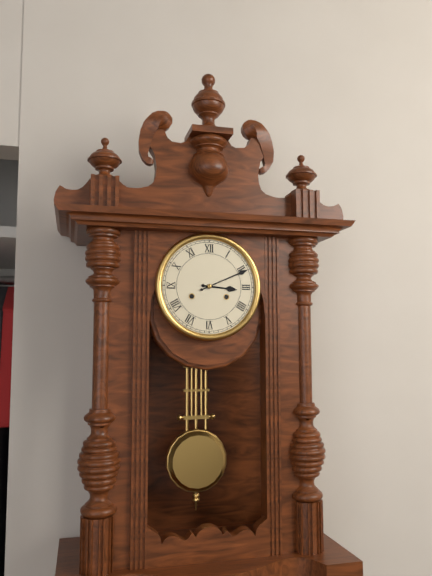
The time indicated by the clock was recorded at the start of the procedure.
3:11
